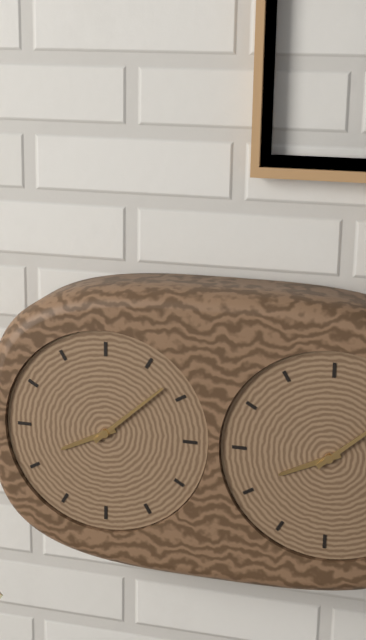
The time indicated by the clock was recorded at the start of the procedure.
8:08
